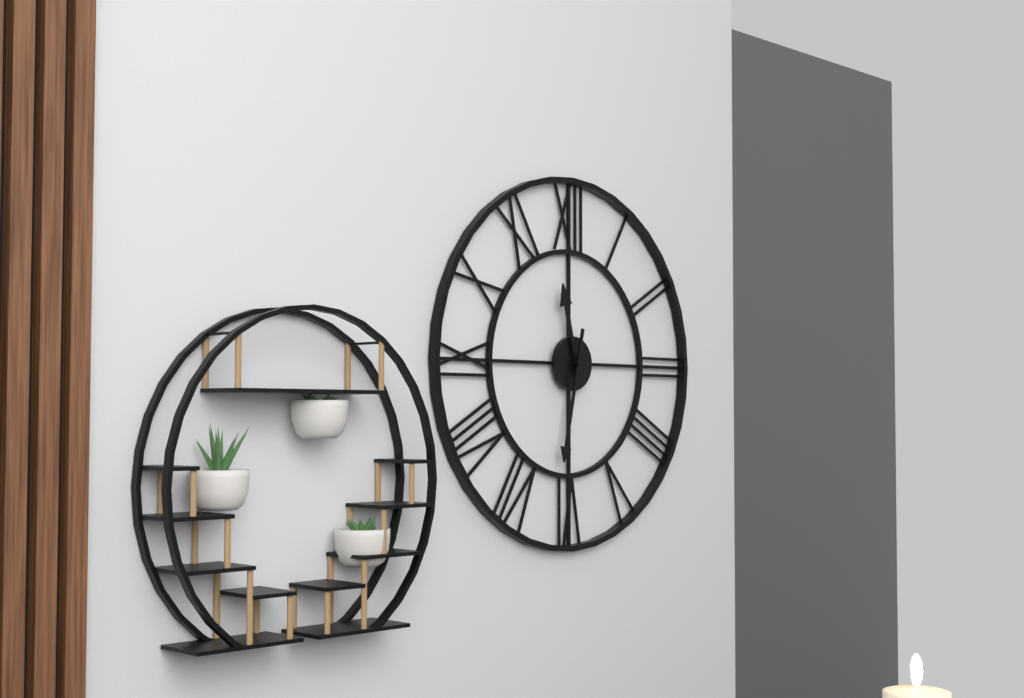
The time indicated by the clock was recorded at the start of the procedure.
11:32
